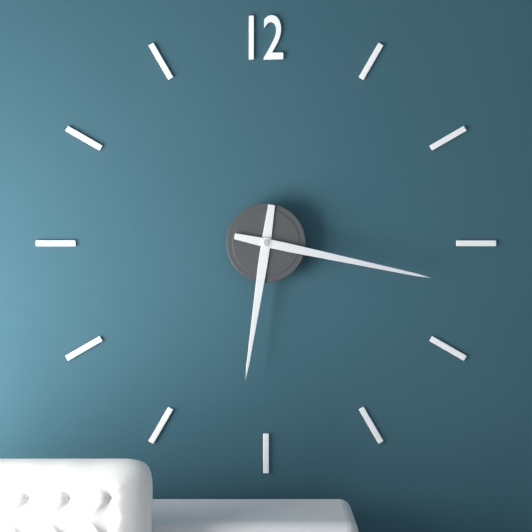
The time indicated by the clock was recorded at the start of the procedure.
6:17
